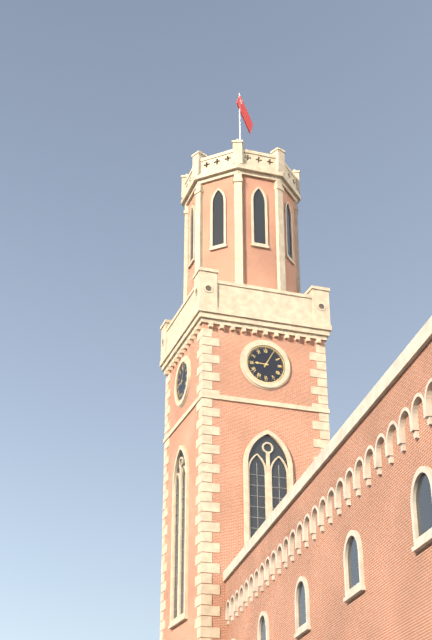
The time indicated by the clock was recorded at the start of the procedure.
9:05
